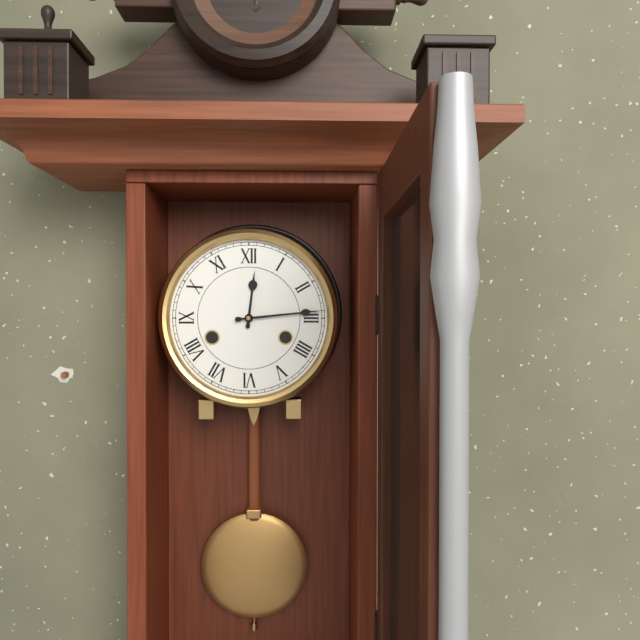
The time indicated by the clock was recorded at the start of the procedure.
12:14
